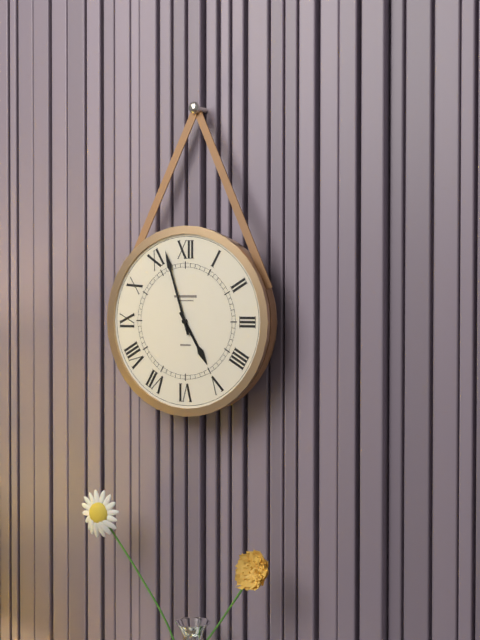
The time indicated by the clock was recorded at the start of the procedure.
4:57
